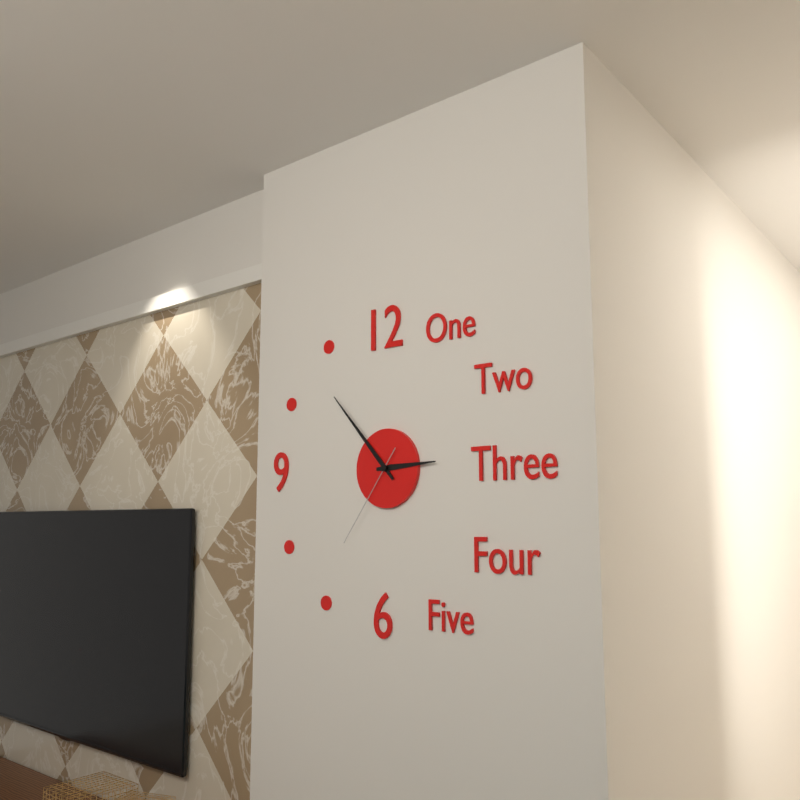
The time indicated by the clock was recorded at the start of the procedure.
2:53:36
